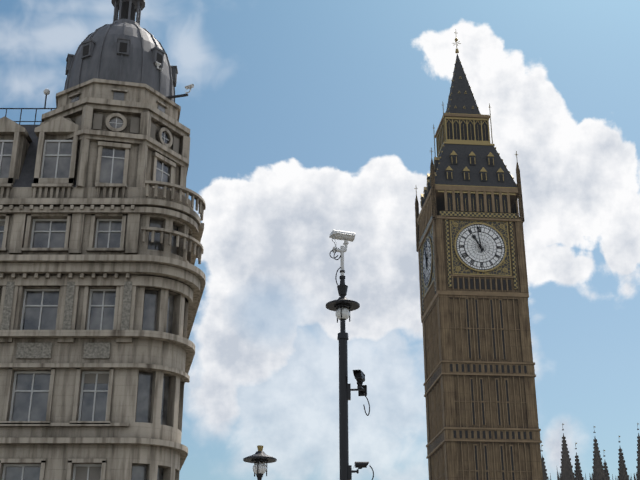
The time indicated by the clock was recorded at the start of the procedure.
10:59
